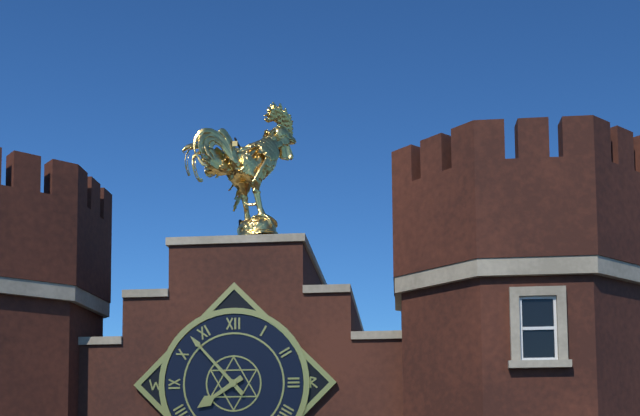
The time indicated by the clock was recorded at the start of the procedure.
7:53
